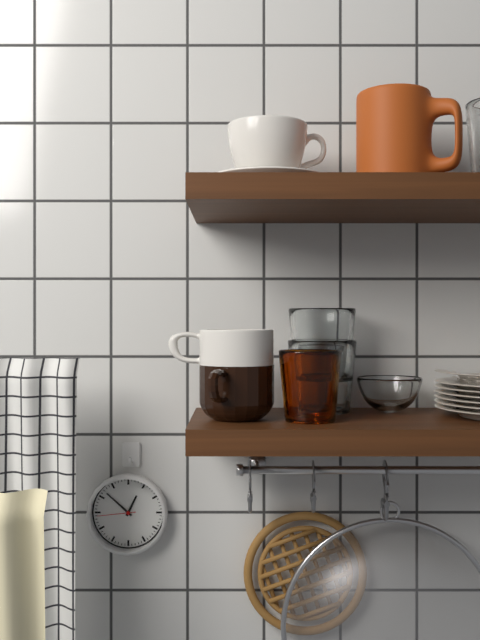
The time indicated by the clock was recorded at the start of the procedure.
12:52
